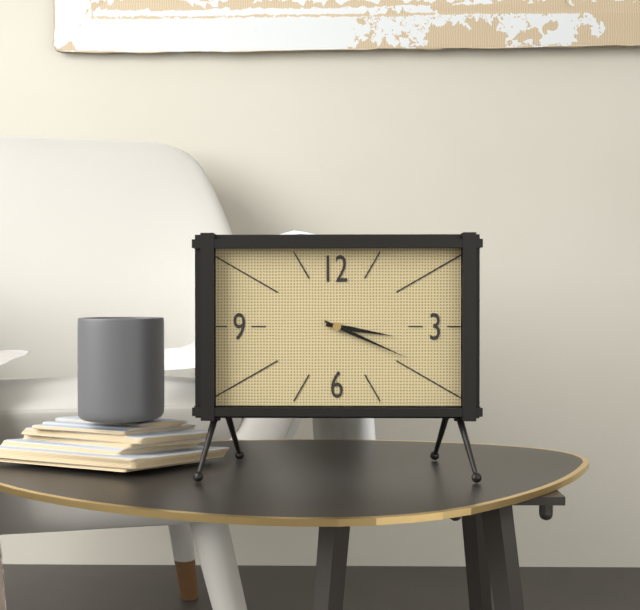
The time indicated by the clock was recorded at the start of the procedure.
3:19
